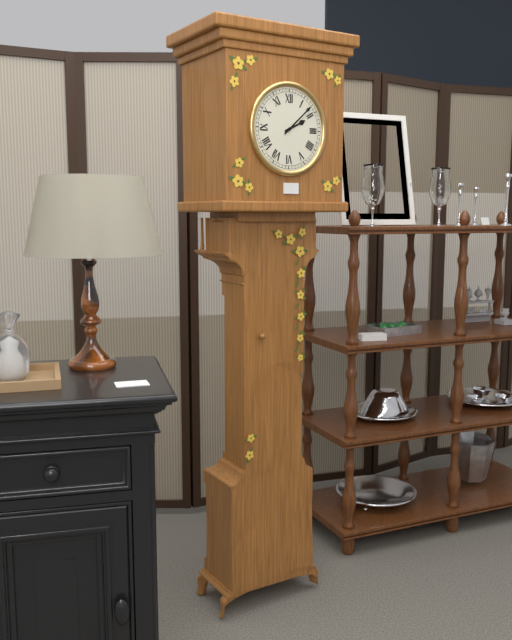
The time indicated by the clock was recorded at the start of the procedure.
2:08
